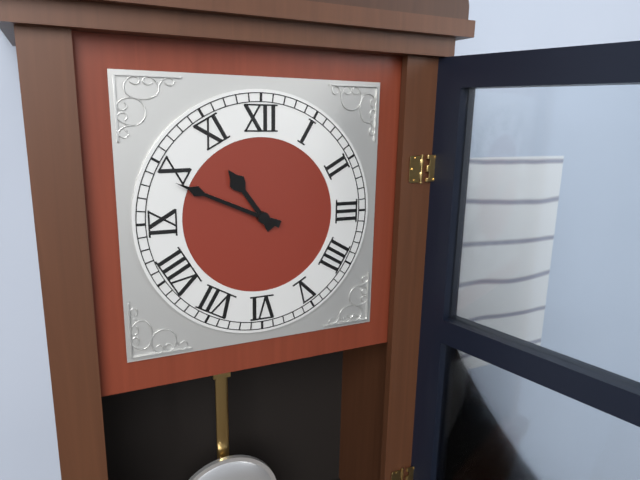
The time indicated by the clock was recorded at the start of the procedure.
10:49
